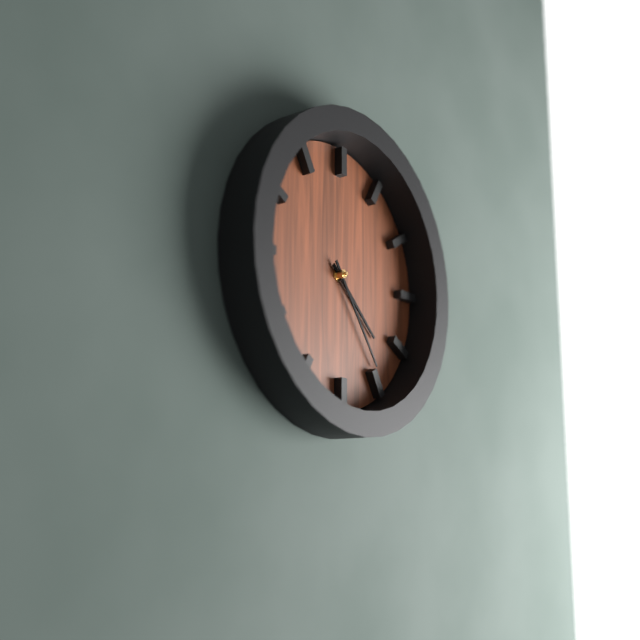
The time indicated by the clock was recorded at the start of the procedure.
4:24
